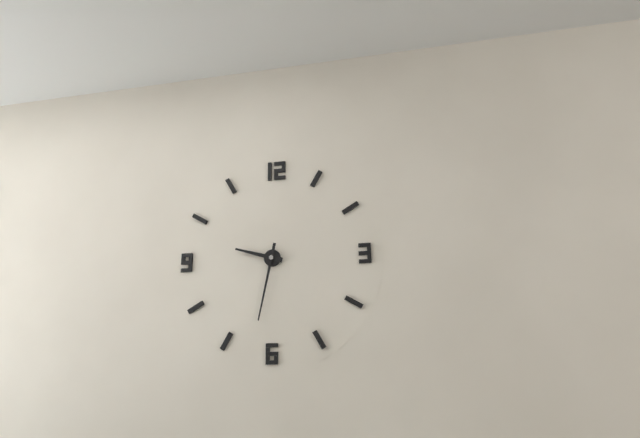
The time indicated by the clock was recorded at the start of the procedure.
9:32
